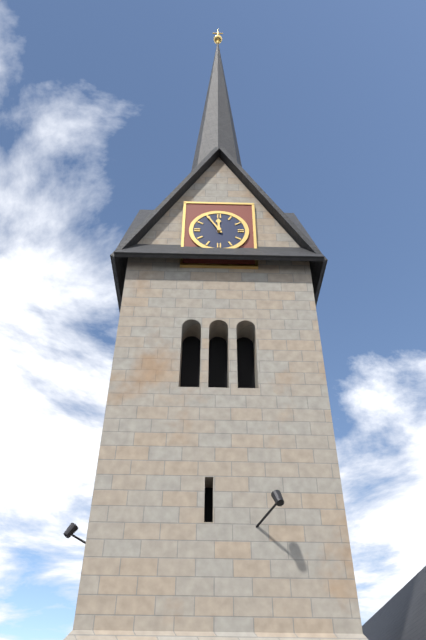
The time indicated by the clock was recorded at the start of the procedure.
11:55
